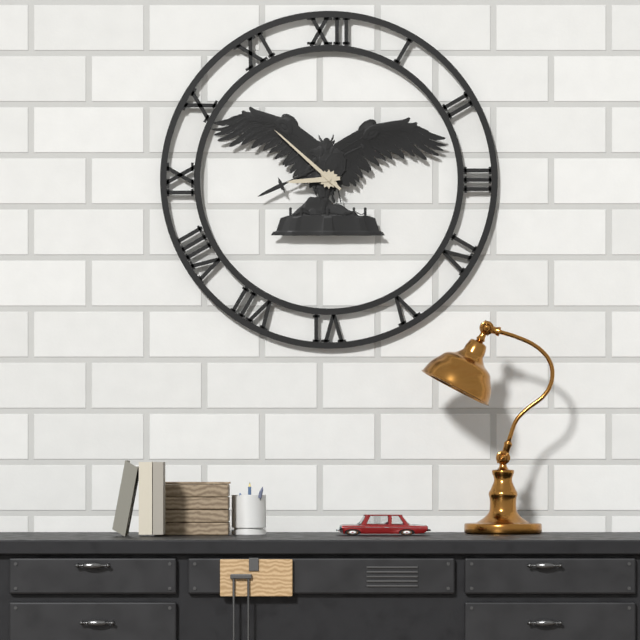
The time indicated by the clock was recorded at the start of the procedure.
8:52
